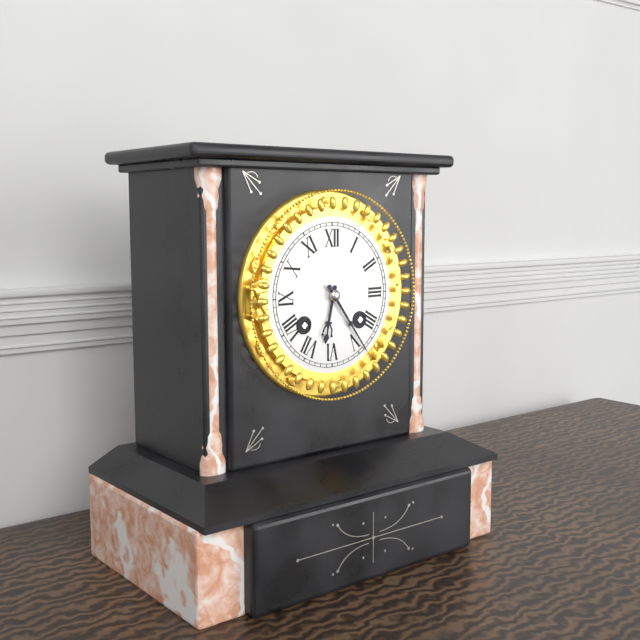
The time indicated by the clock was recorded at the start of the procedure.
6:24
